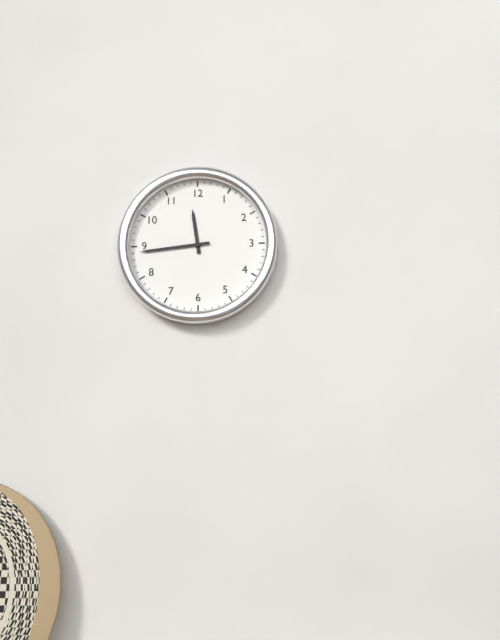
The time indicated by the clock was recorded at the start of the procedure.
11:44
